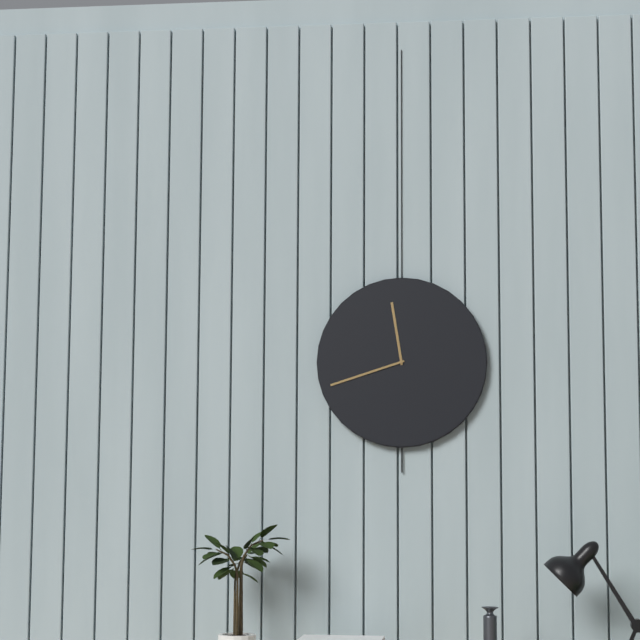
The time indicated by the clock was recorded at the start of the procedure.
11:42
